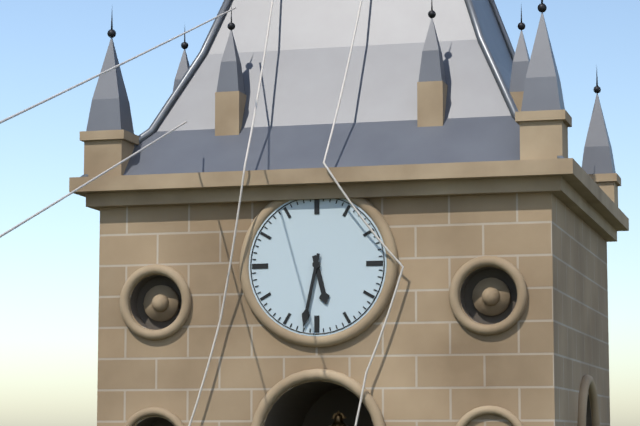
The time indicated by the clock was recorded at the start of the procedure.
5:32
